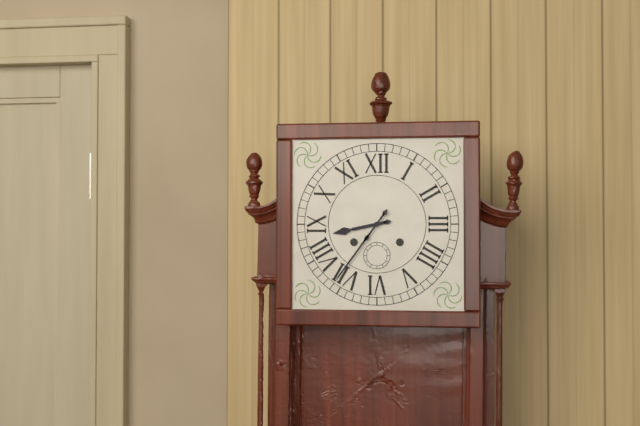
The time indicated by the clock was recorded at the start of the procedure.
8:36
